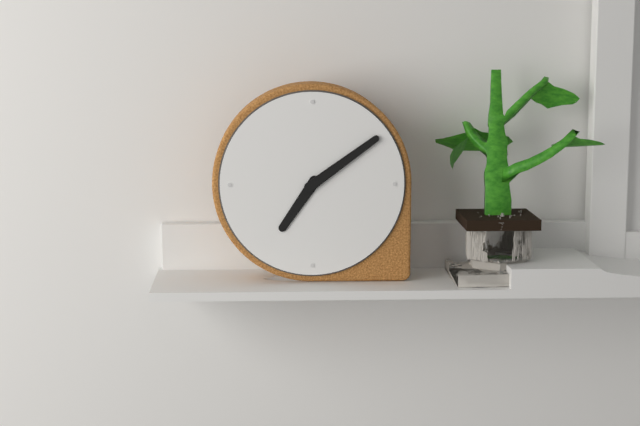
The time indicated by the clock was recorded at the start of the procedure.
7:09
